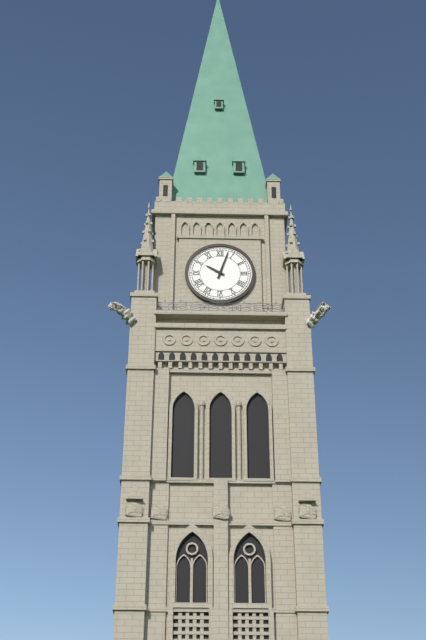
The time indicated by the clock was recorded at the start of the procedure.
10:03
